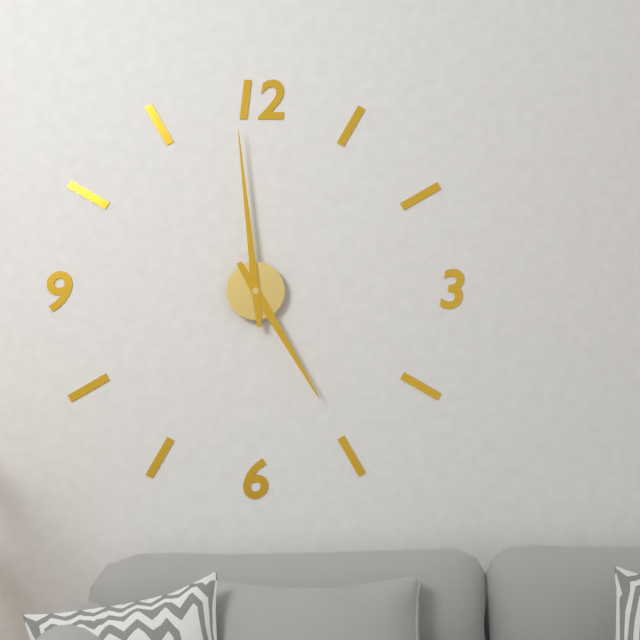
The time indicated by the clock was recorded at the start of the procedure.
4:59
